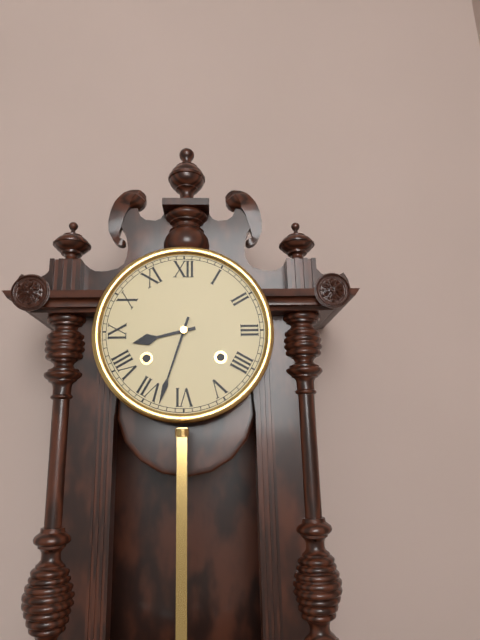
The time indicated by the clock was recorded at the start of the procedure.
8:33
